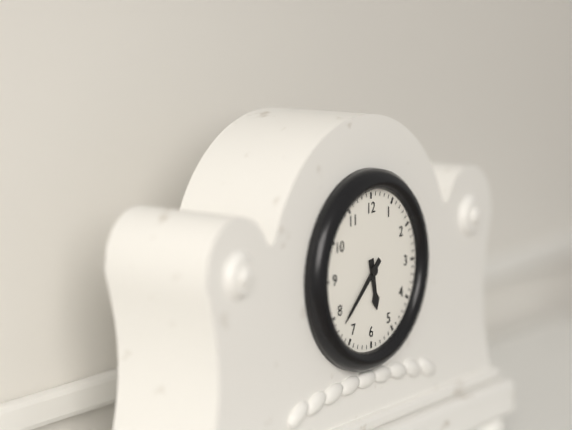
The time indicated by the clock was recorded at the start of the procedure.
5:38
